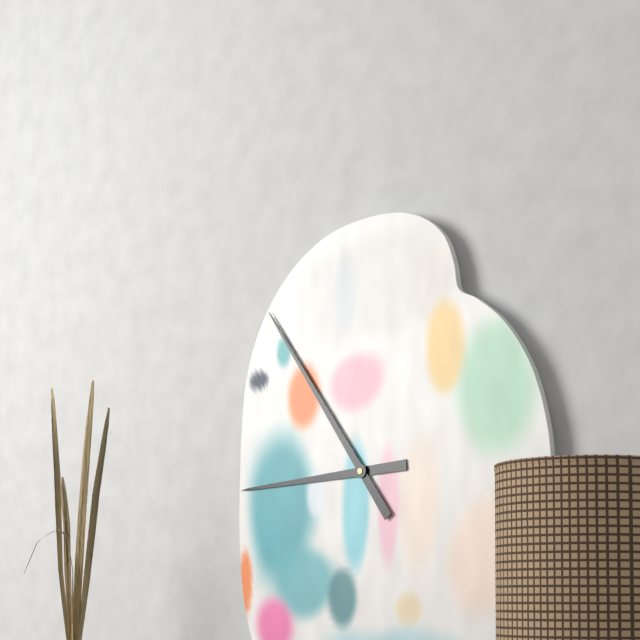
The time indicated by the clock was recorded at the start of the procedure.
8:54
